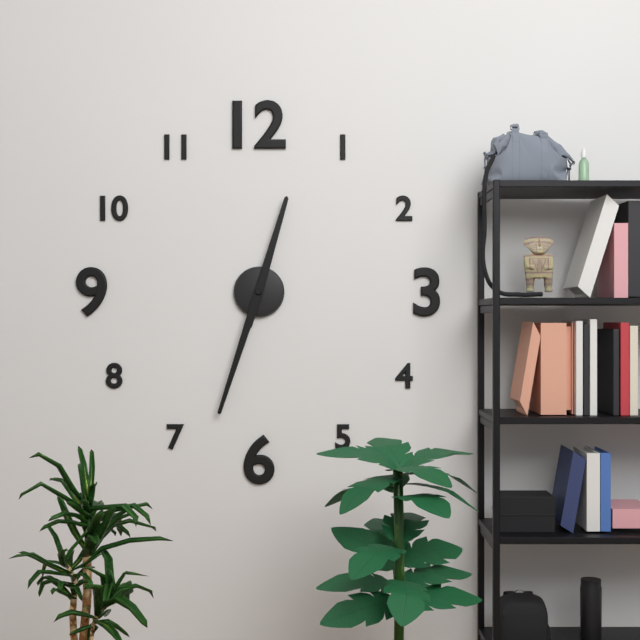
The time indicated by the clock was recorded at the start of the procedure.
12:33
